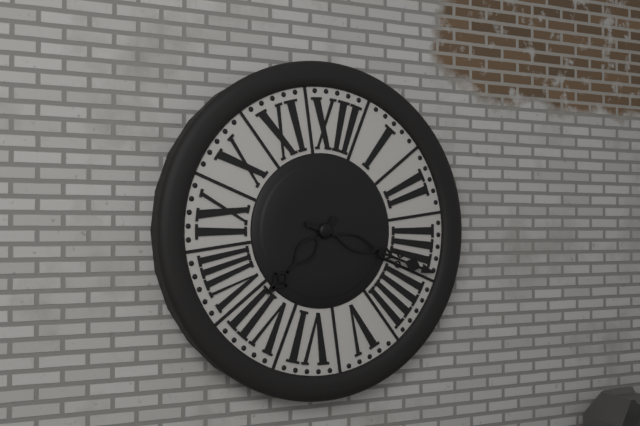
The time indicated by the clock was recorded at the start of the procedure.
7:17
